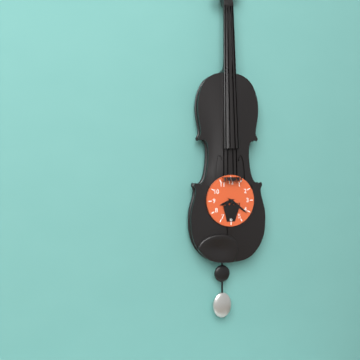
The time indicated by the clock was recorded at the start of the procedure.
8:21
